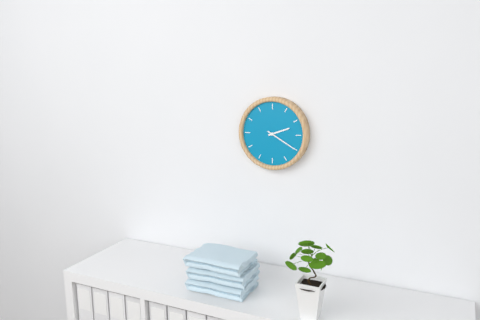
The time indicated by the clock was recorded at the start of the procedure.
2:20
